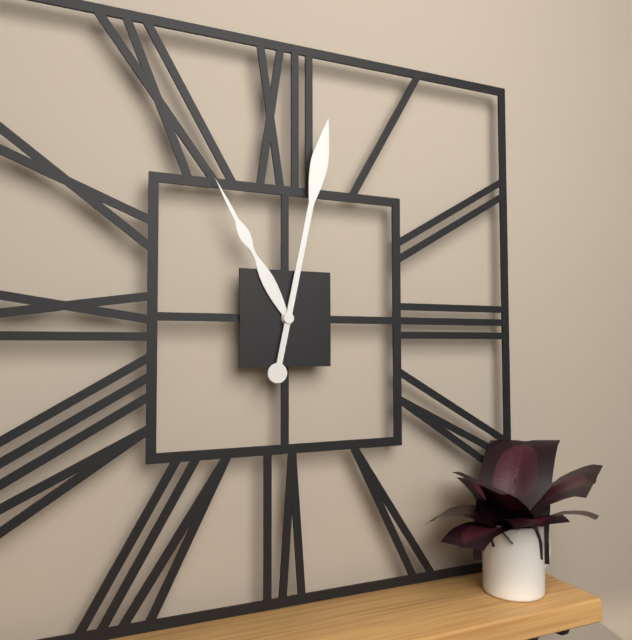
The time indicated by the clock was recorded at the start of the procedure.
11:02
